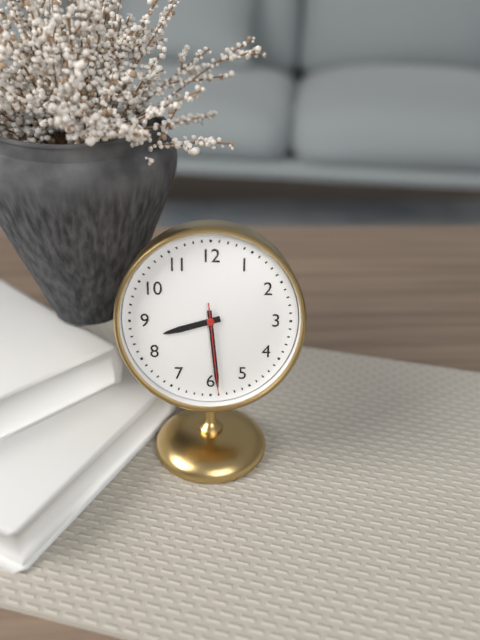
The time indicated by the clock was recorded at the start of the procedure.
8:29:29
